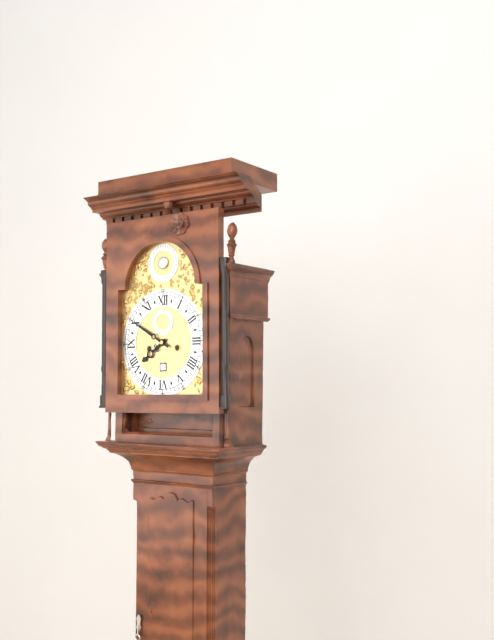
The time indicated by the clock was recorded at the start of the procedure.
7:50
